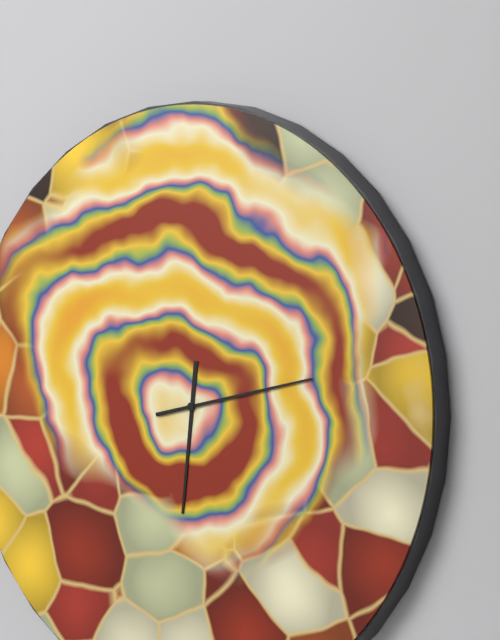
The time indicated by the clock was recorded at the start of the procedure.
6:13
